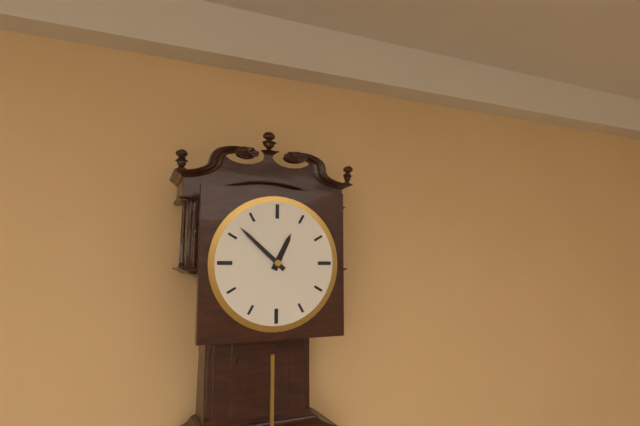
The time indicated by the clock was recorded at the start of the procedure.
12:52
